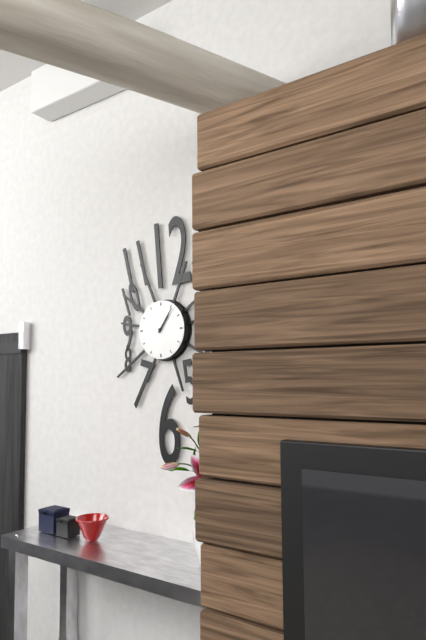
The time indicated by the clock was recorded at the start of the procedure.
1:06
